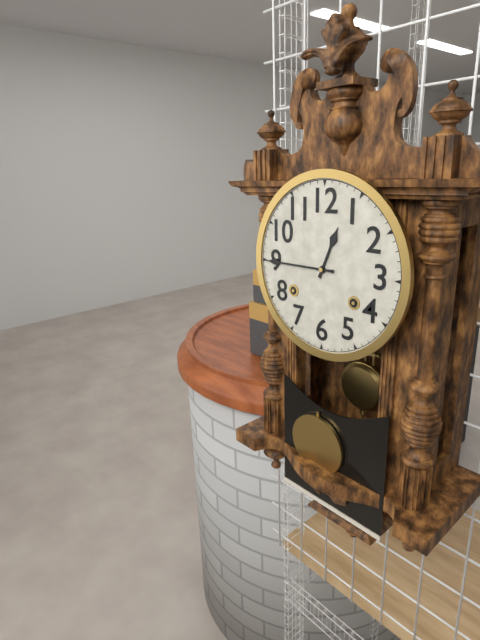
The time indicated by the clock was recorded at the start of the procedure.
12:45
